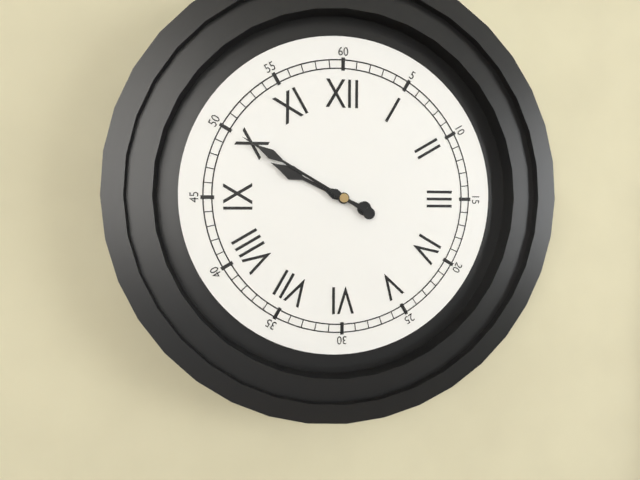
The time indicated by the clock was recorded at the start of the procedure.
9:50
